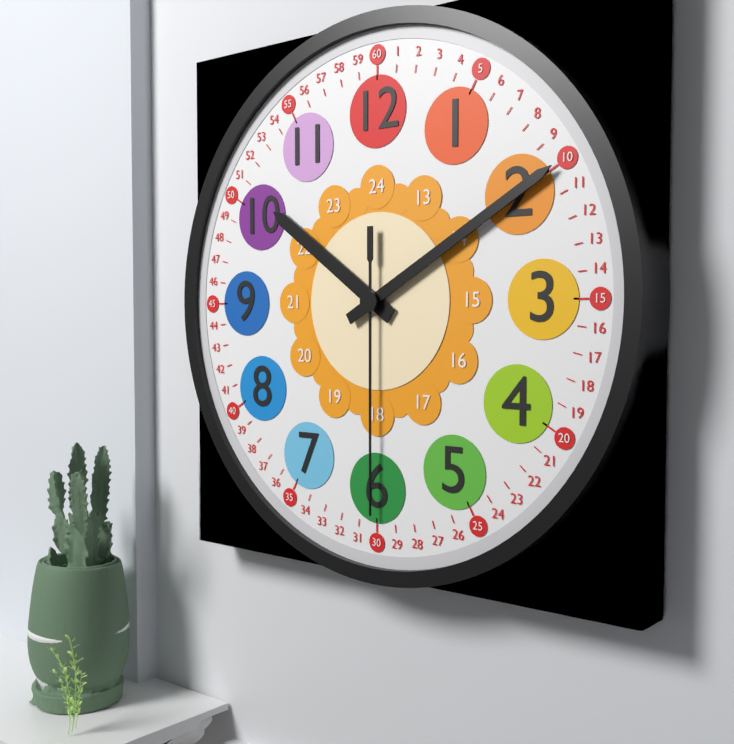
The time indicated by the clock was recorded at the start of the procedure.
10:10:30
